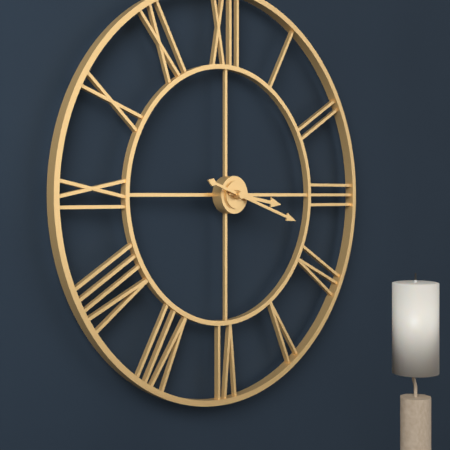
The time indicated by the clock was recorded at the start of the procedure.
3:18
